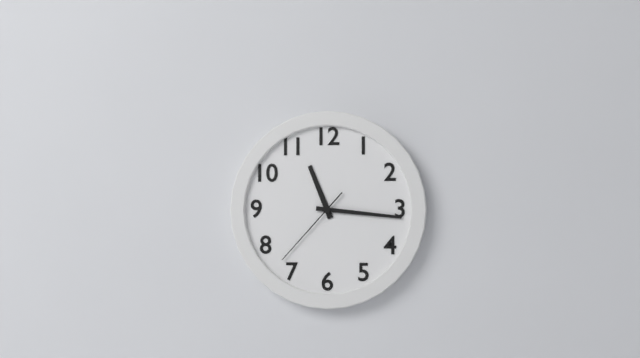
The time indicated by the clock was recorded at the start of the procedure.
11:16:37
